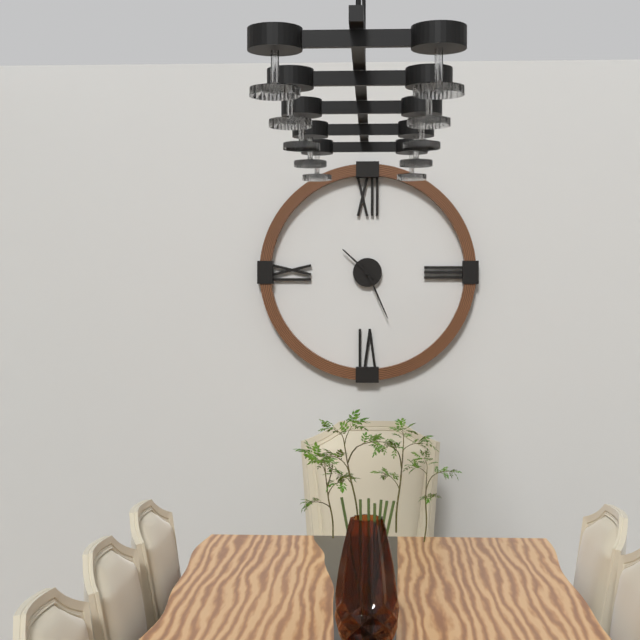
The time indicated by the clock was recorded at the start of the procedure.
10:26
